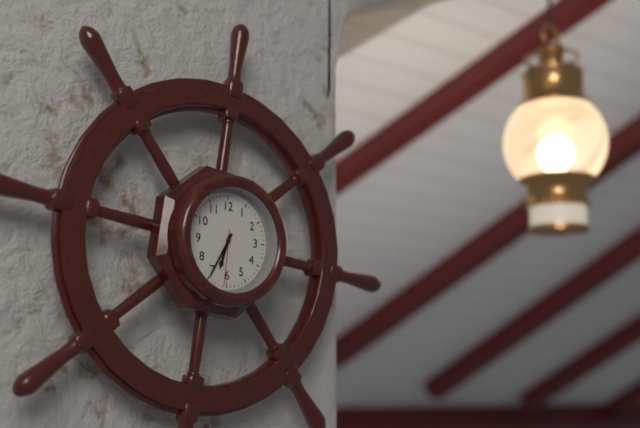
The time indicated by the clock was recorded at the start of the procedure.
6:35:31
